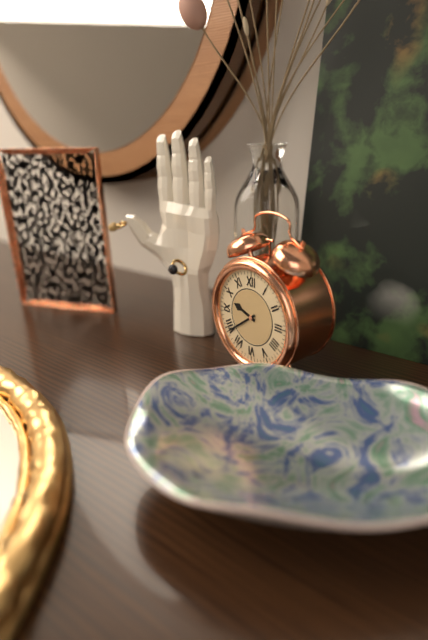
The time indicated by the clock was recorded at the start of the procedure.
9:39
